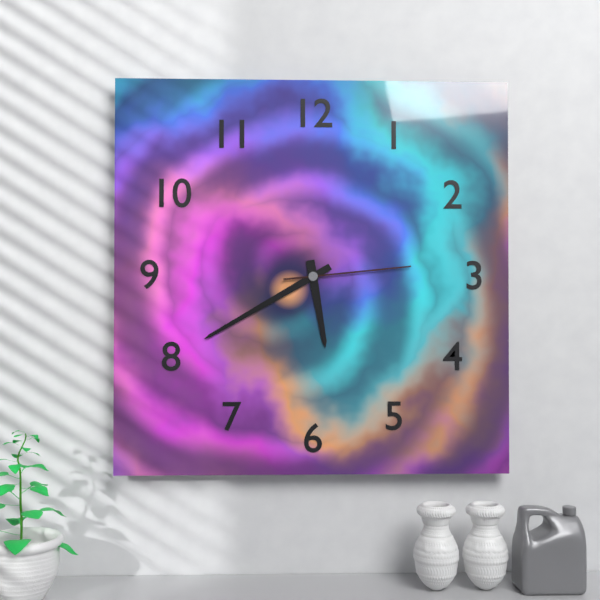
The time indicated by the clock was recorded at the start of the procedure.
5:40:14
